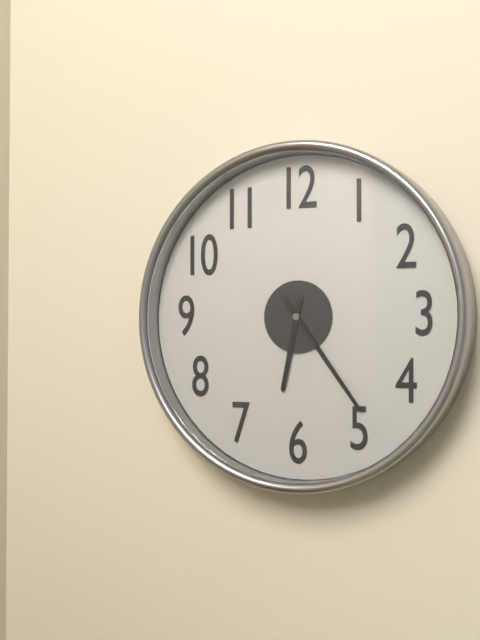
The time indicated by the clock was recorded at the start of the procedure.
6:24
